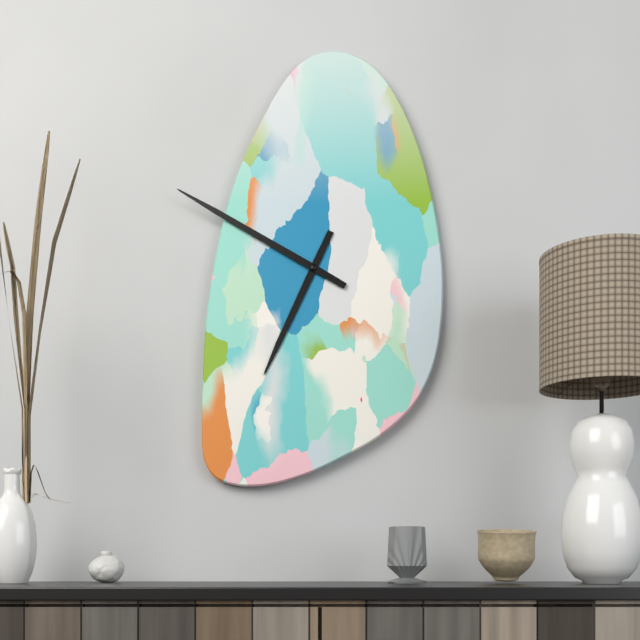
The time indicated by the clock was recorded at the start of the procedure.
6:50
